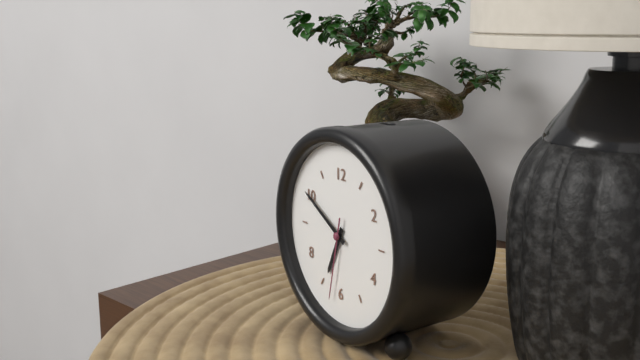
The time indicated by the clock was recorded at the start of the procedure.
6:50:32
